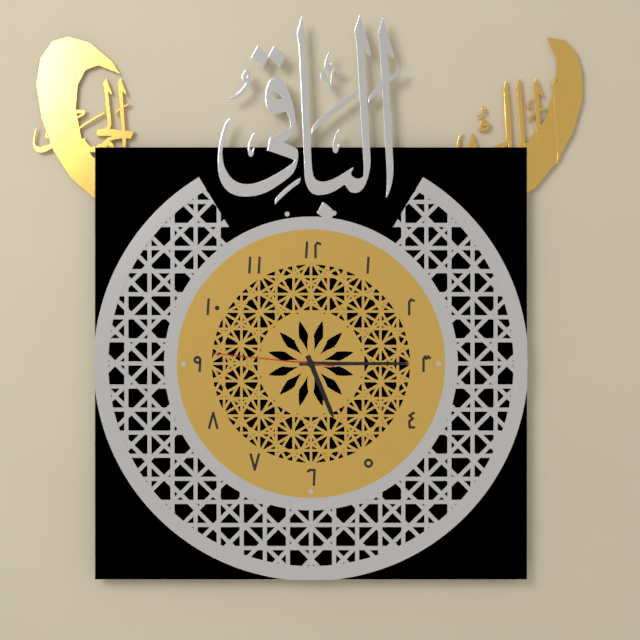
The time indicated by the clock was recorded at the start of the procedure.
5:15:46
